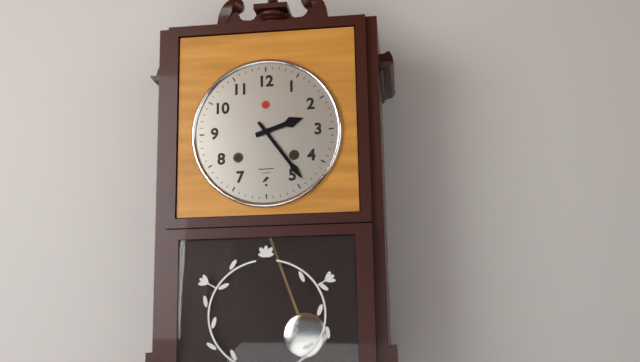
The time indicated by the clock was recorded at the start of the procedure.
2:24
